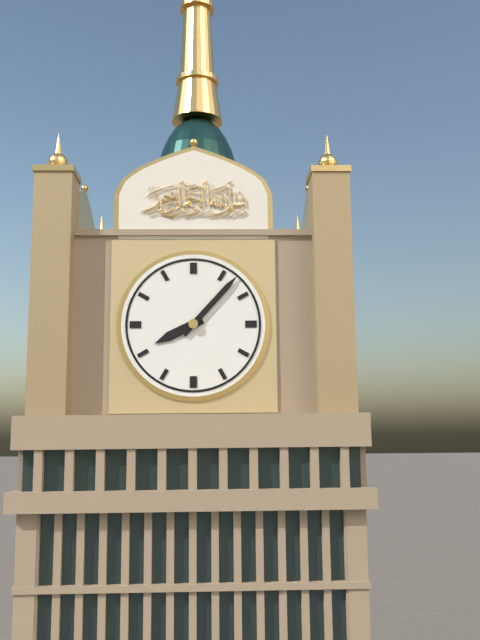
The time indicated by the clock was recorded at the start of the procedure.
8:07
